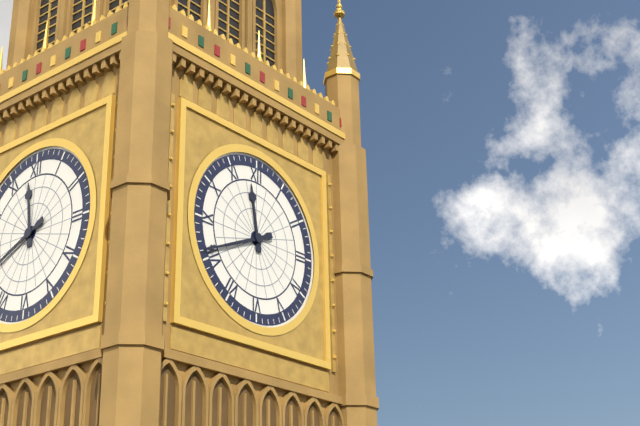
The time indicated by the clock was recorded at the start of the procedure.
11:41
